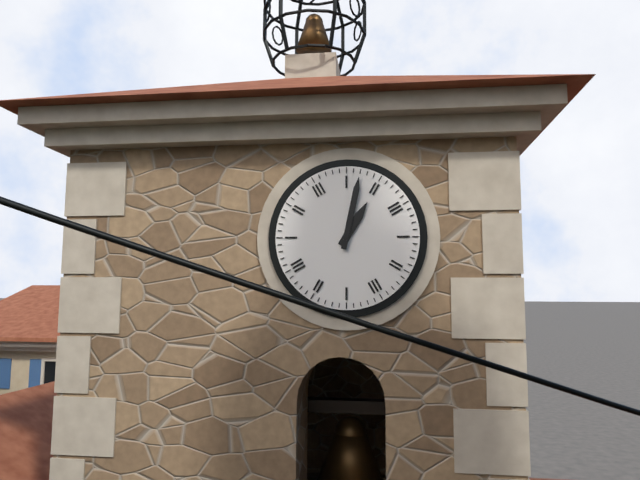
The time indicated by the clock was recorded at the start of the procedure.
1:02
